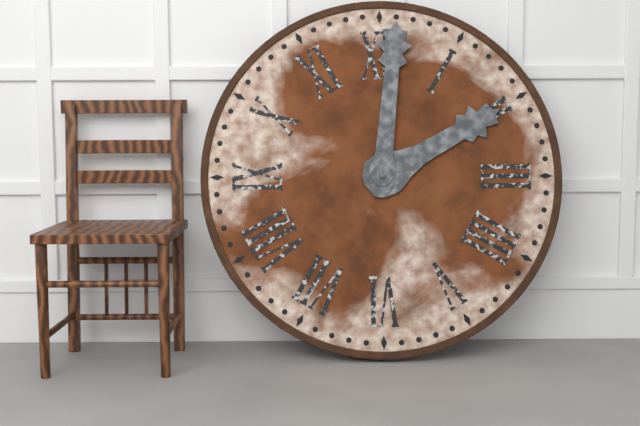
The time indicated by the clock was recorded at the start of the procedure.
2:01
